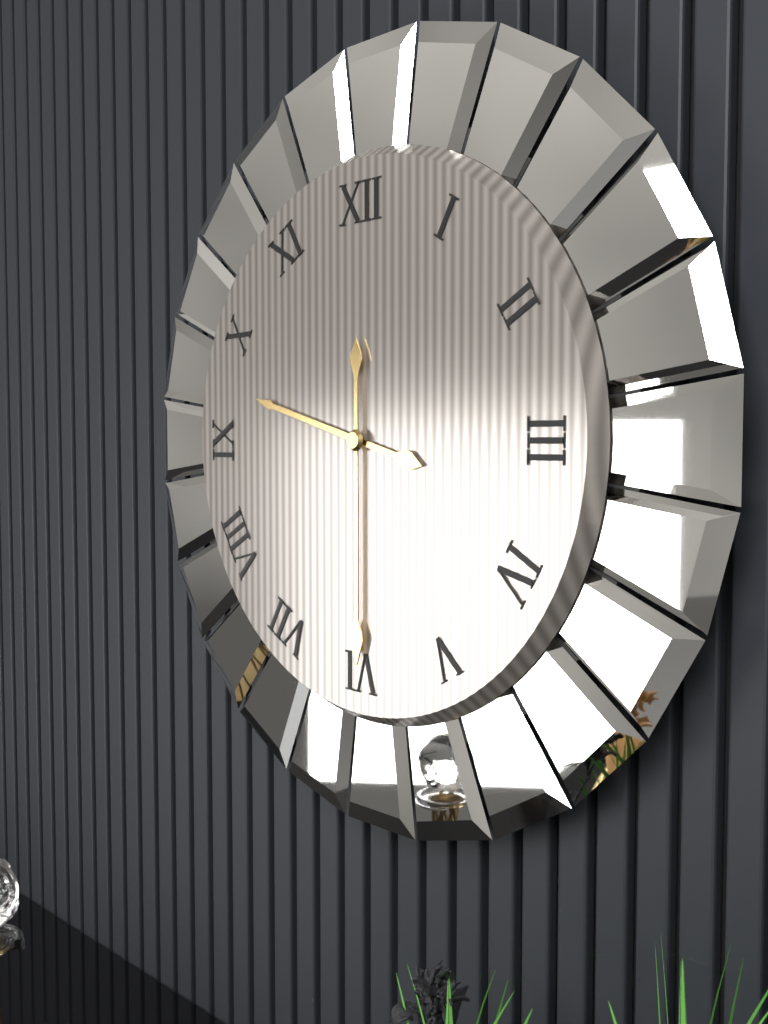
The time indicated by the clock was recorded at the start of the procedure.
9:30
